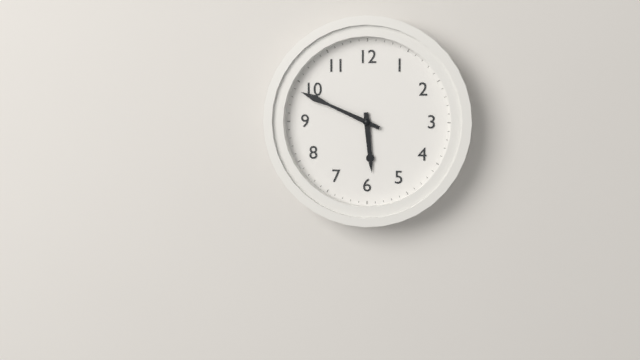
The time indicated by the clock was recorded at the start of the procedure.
5:49
